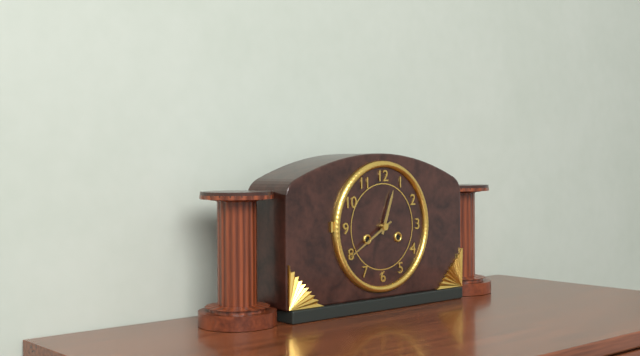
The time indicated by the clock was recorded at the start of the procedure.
12:40
